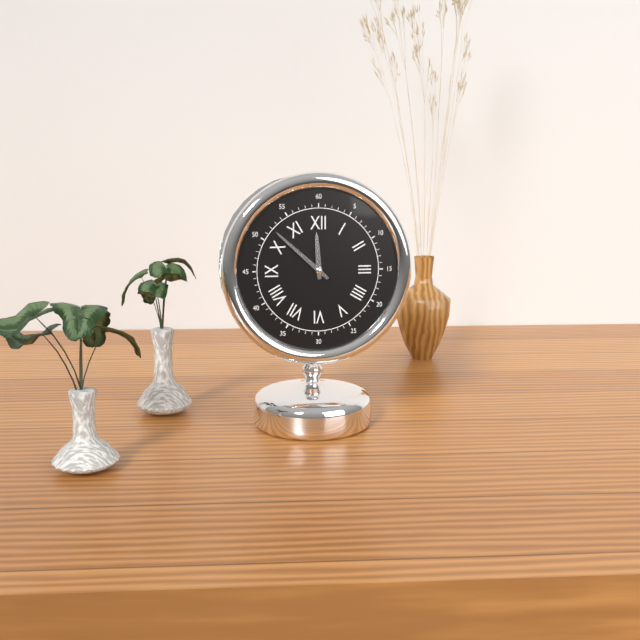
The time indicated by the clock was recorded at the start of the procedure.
11:52
